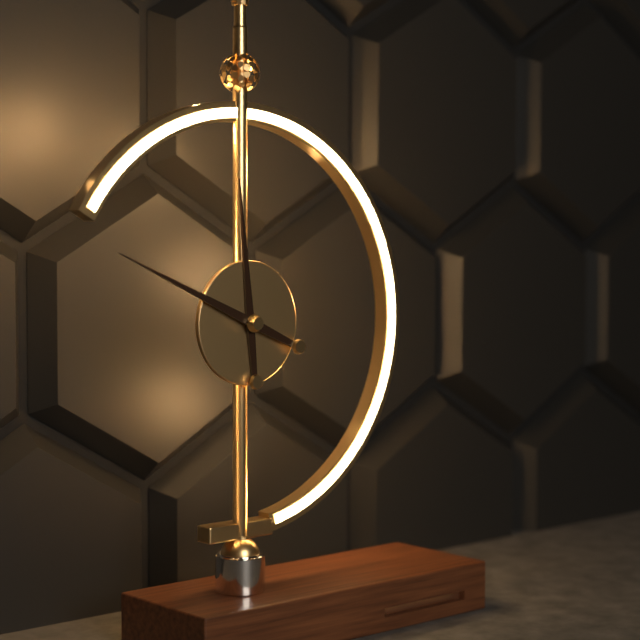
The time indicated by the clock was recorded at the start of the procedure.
11:49
